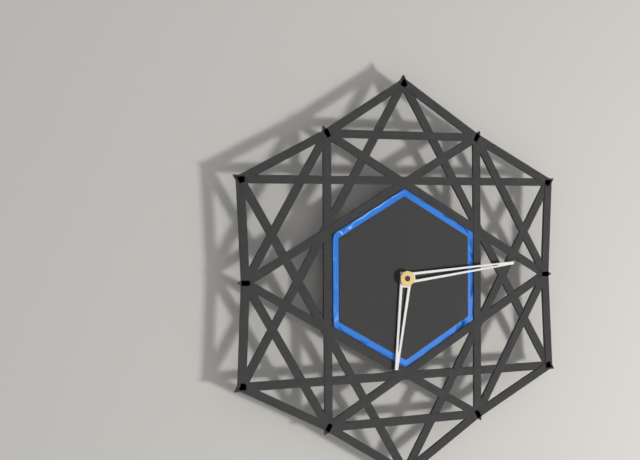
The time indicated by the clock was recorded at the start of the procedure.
6:14
